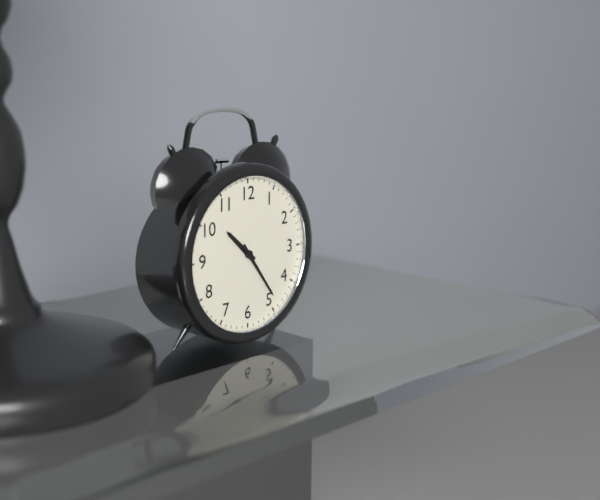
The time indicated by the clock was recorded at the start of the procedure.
10:24
